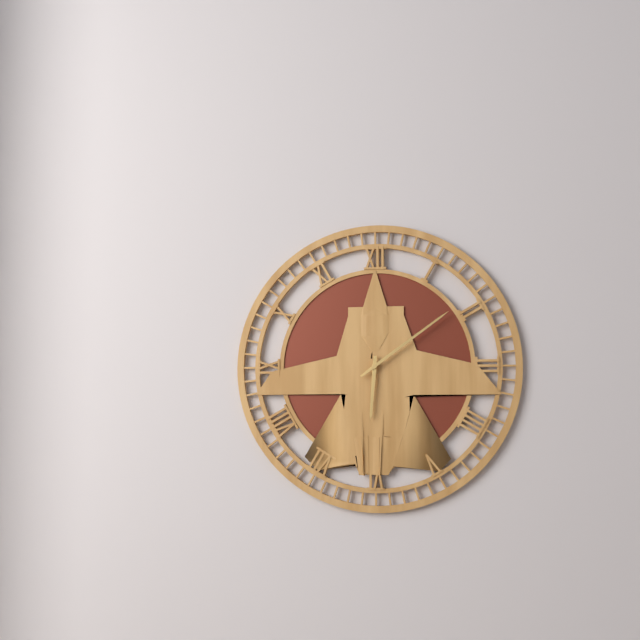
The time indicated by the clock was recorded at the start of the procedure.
6:09
